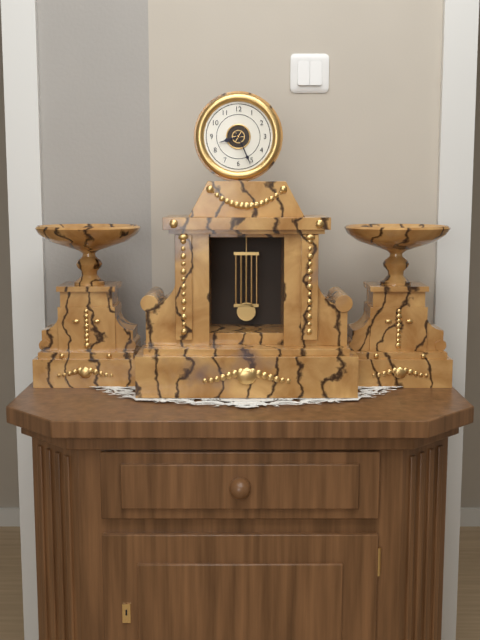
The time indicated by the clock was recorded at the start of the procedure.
8:26
